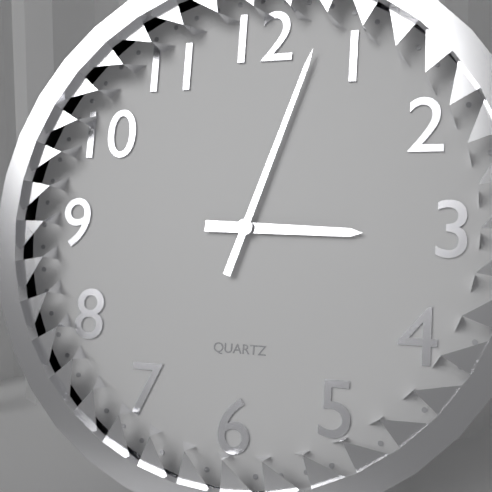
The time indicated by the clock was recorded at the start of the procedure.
3:03
